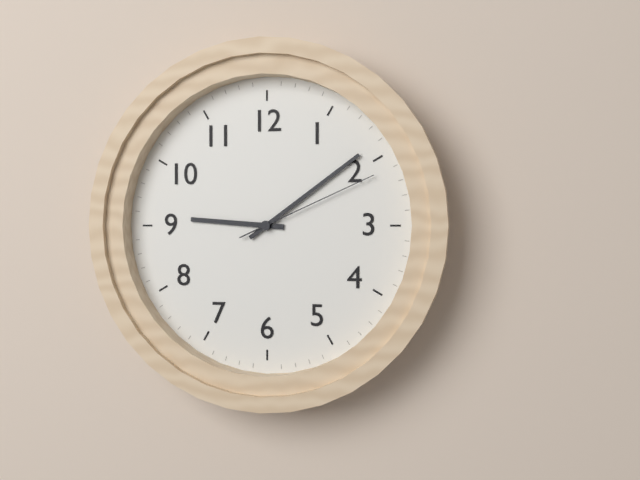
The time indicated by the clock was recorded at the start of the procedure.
9:09:11
